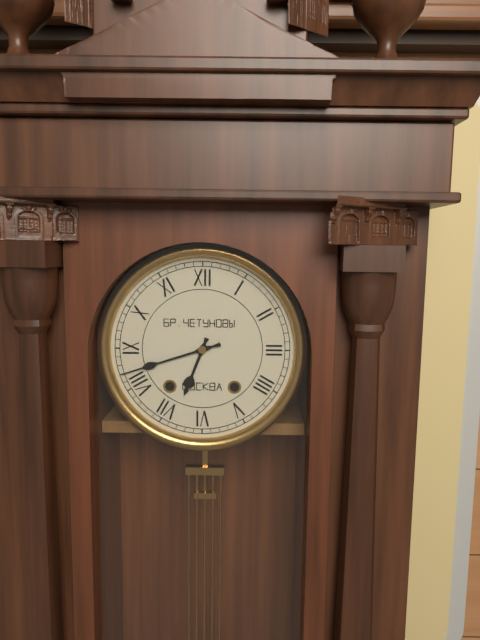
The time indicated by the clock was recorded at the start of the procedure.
6:42
